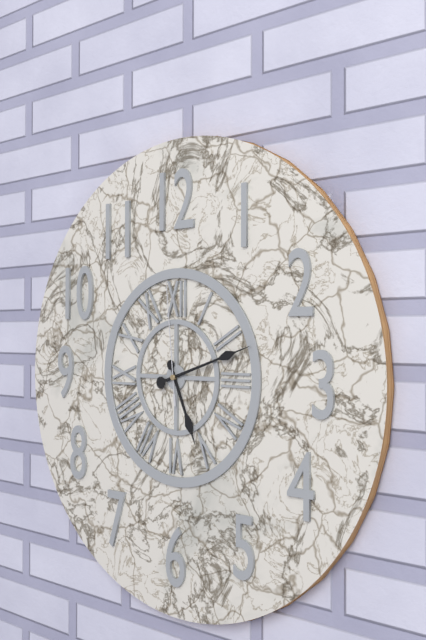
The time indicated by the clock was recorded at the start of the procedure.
5:12:59
